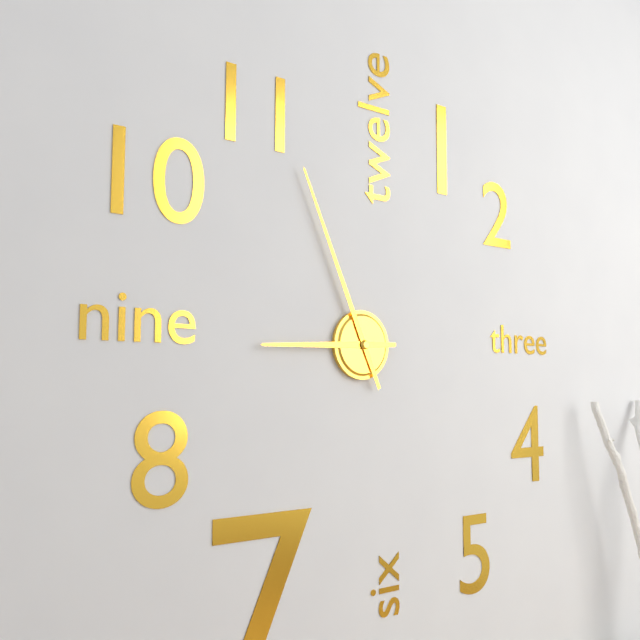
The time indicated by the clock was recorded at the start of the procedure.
8:56
